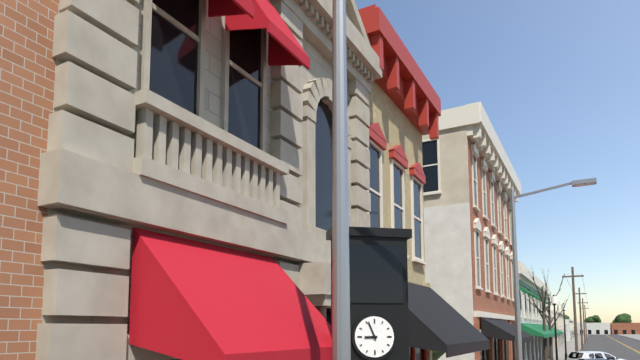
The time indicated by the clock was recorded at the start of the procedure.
8:56
